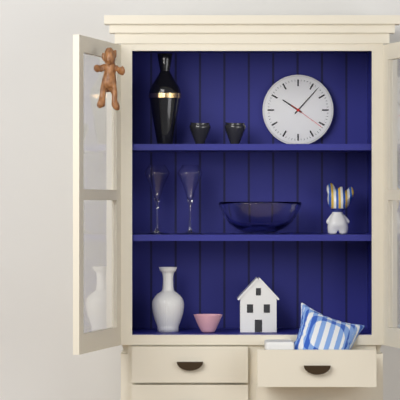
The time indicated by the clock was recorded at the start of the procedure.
10:07
